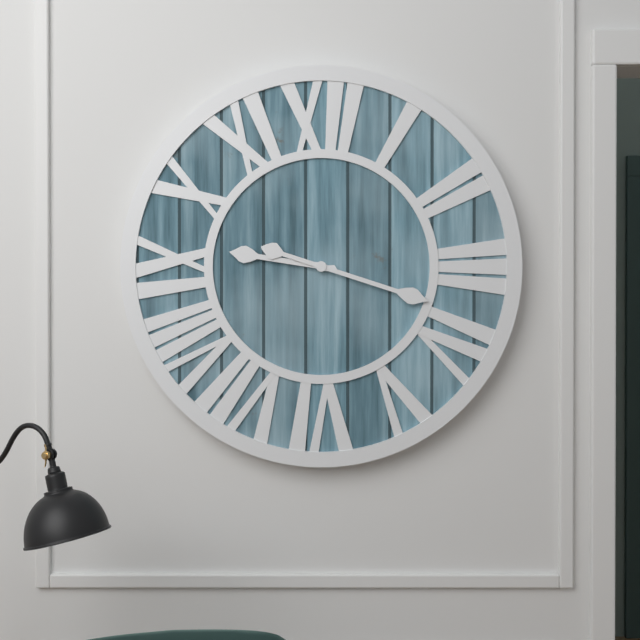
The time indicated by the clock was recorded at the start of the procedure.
9:18
